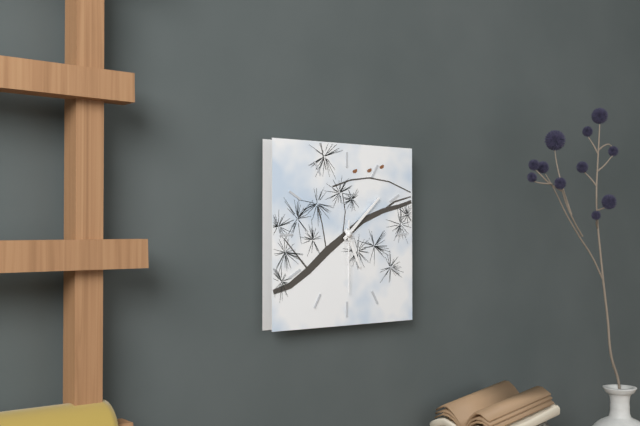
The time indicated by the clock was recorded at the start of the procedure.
5:08:30
